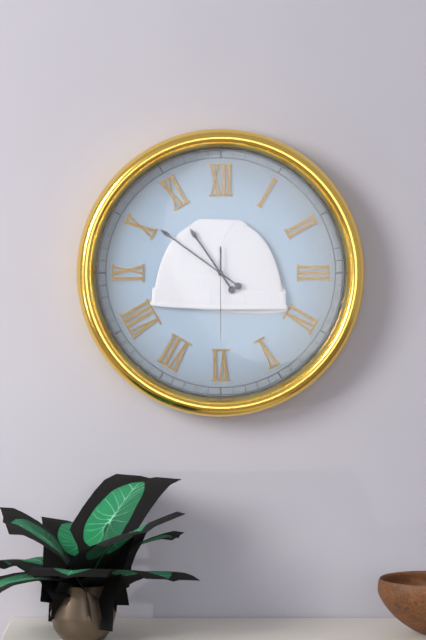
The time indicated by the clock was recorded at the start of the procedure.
10:51:30
